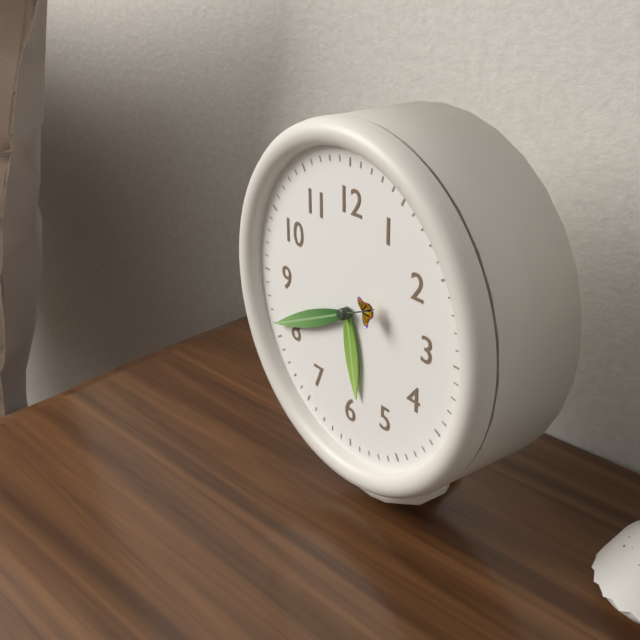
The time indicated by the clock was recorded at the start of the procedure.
5:41
